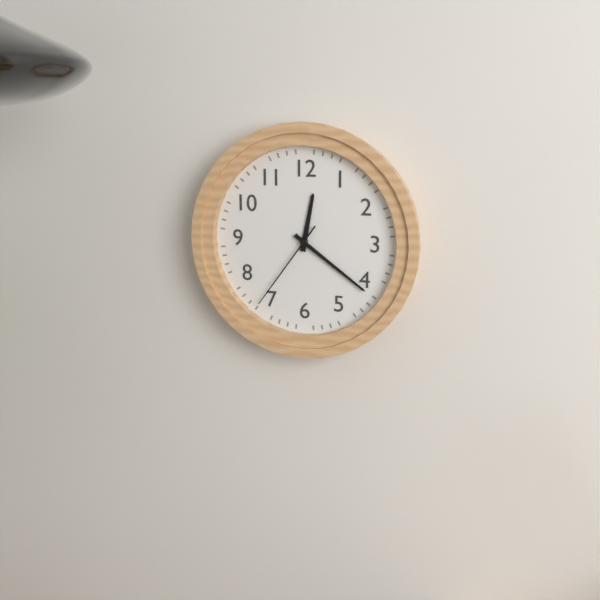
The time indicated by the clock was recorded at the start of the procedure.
12:21:36
